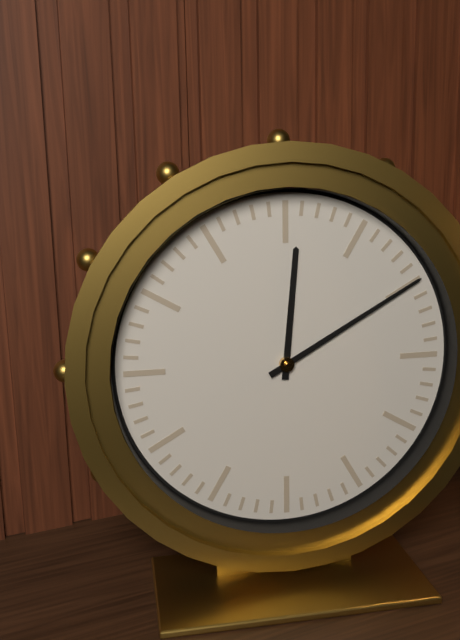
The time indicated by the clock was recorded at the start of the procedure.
12:10
